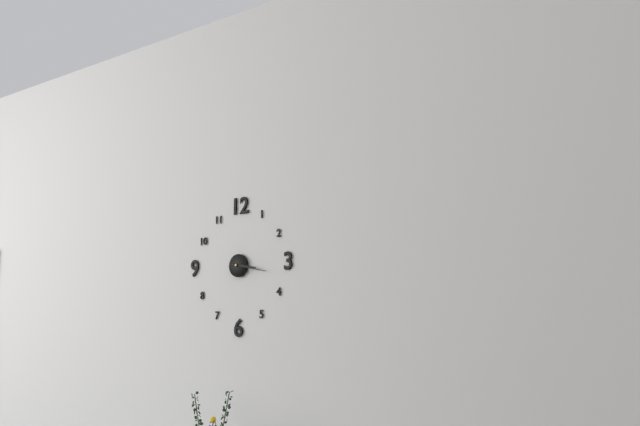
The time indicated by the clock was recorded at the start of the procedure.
3:17
